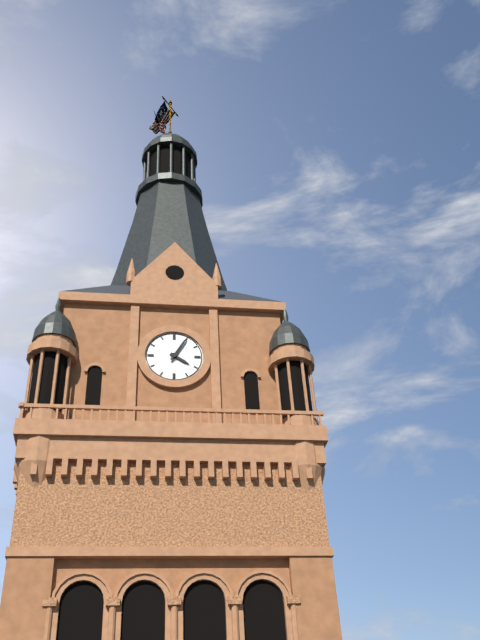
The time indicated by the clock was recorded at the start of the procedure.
4:05
